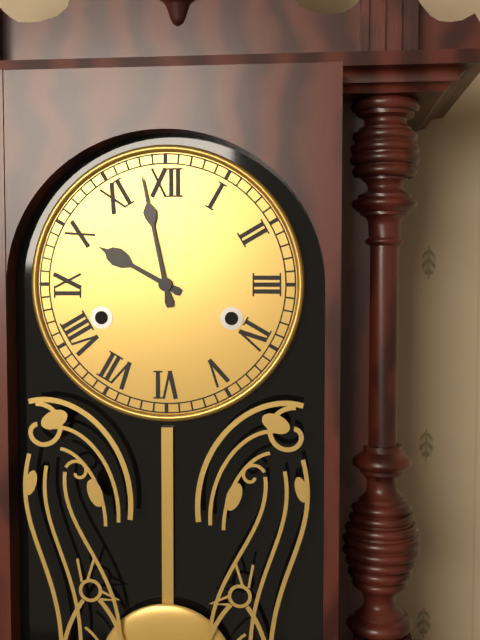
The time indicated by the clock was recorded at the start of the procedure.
9:58
